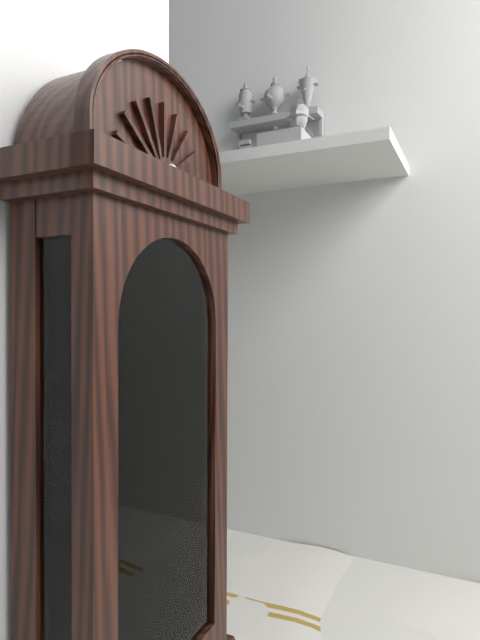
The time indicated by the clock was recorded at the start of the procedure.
6:54
